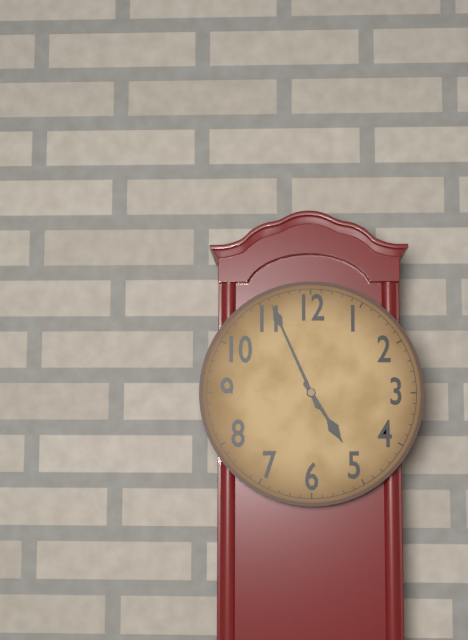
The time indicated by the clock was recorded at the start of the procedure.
4:56
